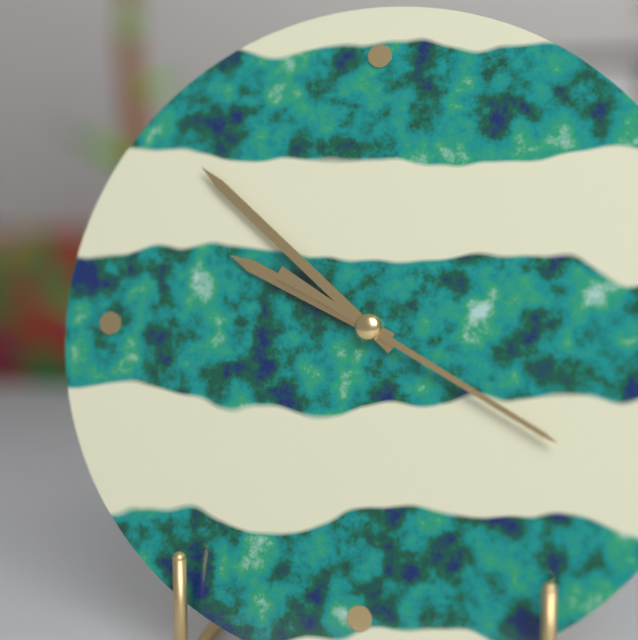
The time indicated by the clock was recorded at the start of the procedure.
9:52:20
